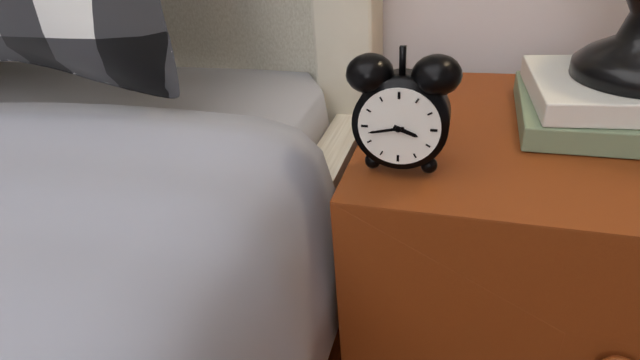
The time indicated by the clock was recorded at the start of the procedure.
3:43
